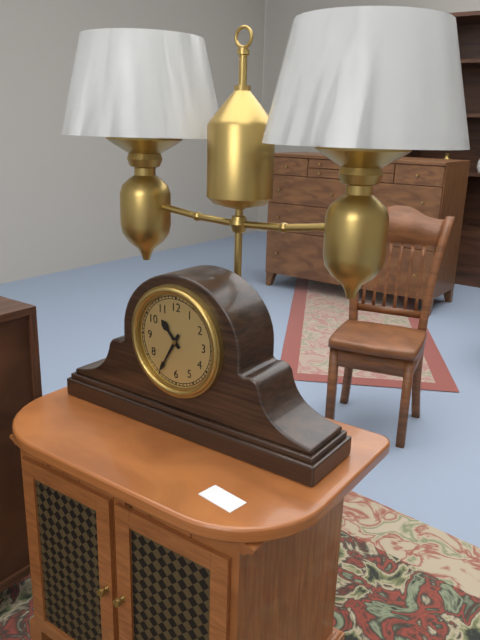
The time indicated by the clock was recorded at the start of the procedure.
10:35
